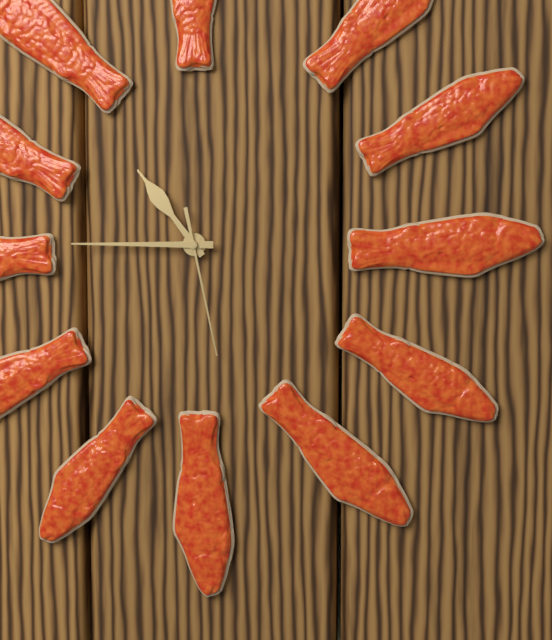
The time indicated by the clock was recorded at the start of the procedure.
10:45:28
